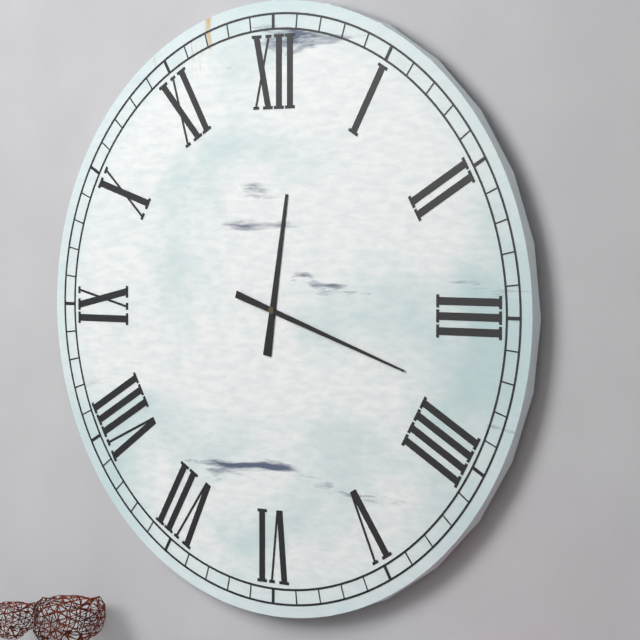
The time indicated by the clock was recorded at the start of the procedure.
12:18
